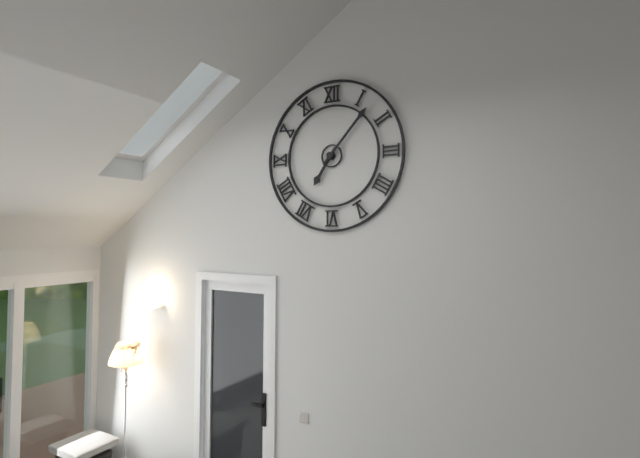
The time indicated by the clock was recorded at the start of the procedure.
7:07
